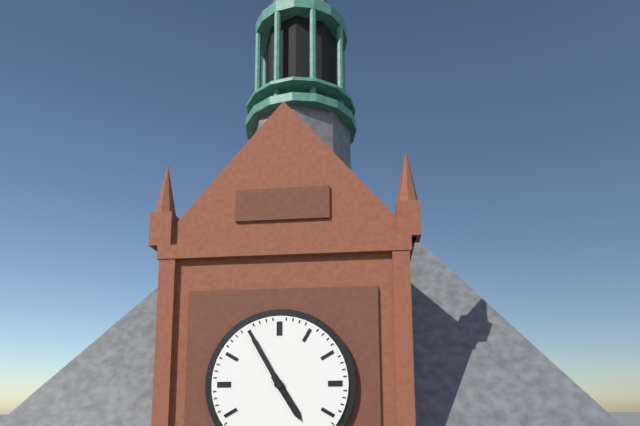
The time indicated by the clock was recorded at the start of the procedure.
4:55
